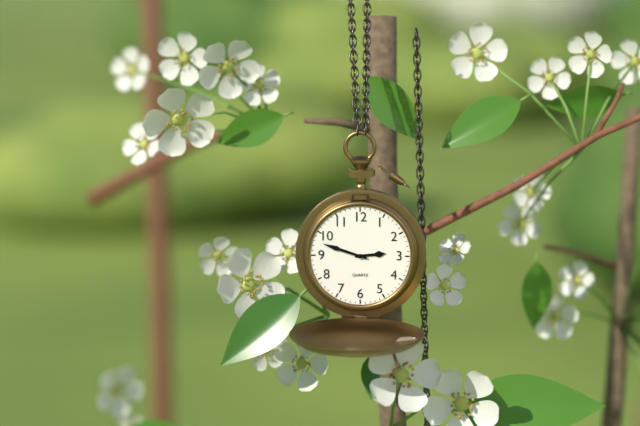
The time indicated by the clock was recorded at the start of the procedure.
2:48
